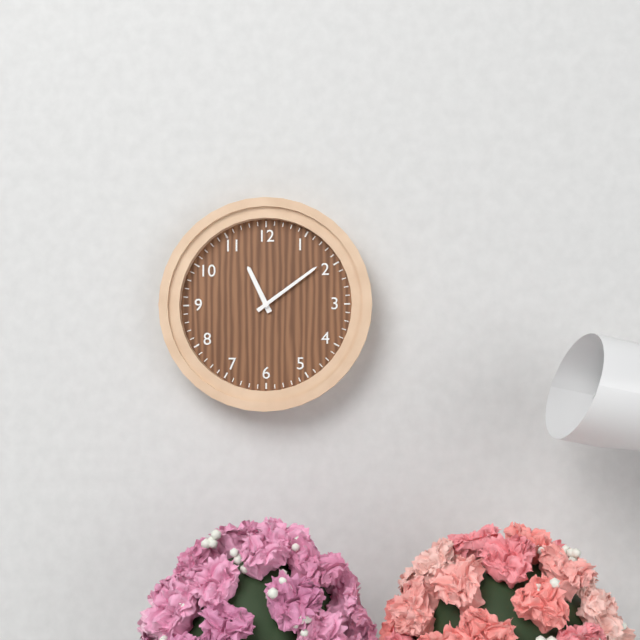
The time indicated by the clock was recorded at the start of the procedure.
11:09
